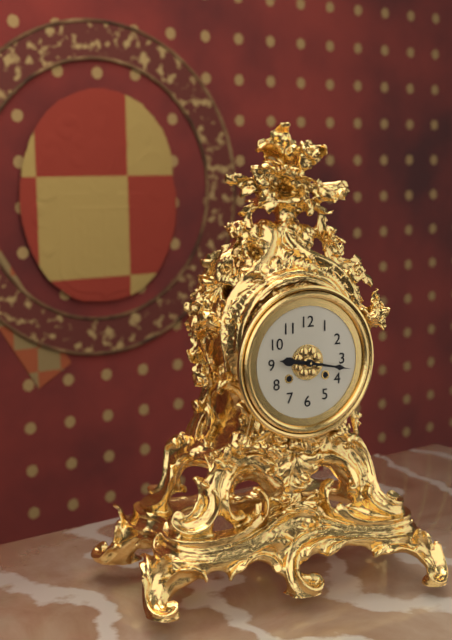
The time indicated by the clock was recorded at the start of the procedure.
9:17
